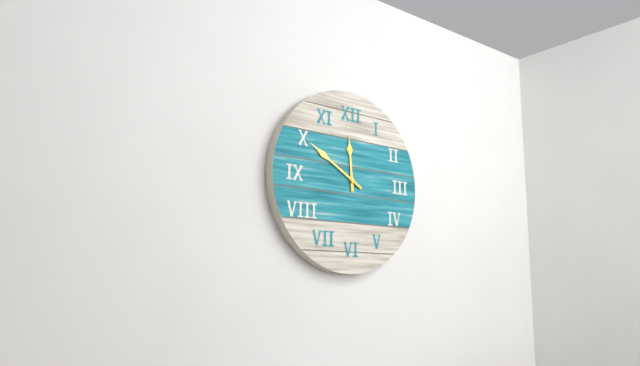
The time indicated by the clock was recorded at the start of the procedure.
11:50
